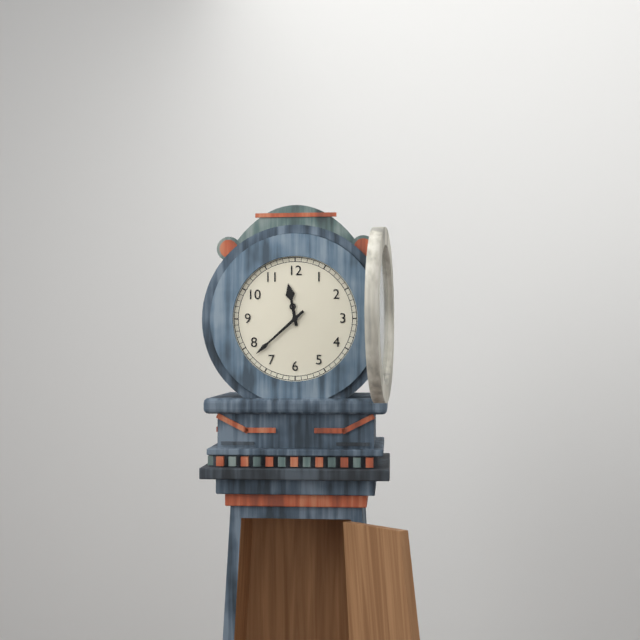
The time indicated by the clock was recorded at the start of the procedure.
11:38
